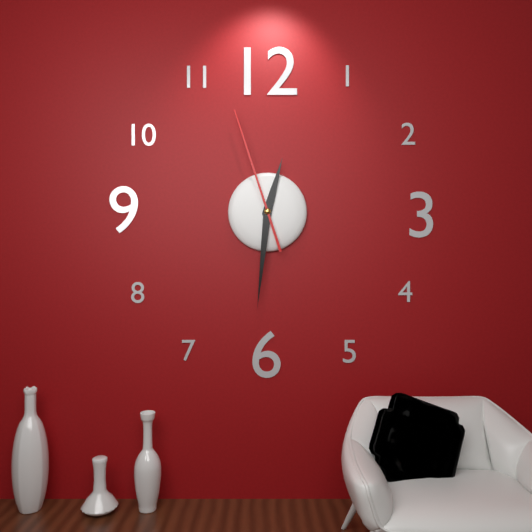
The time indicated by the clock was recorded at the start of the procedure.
12:31:57
